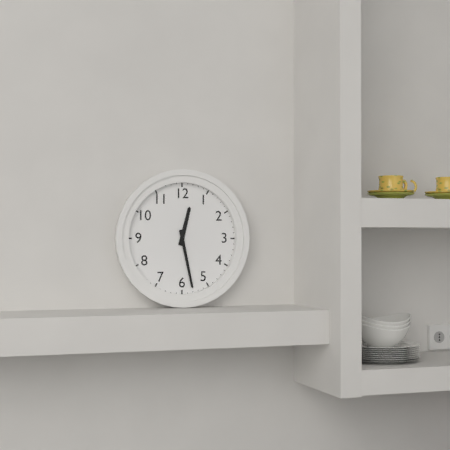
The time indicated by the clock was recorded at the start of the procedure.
12:28
